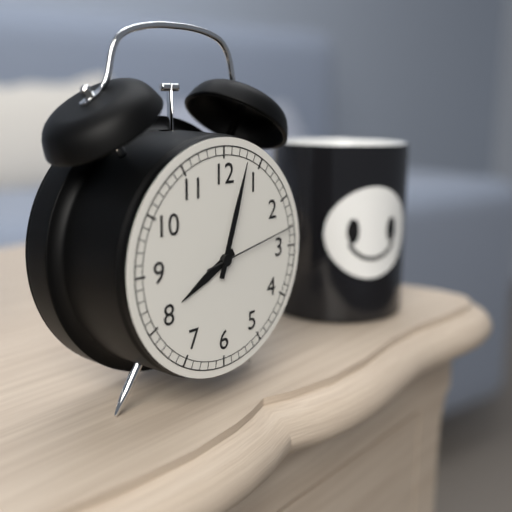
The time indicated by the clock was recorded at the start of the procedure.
8:03:13
